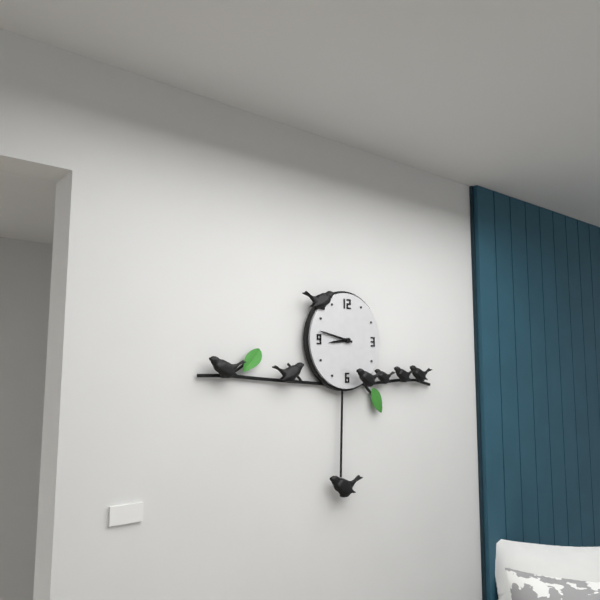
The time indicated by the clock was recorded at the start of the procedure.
8:47
